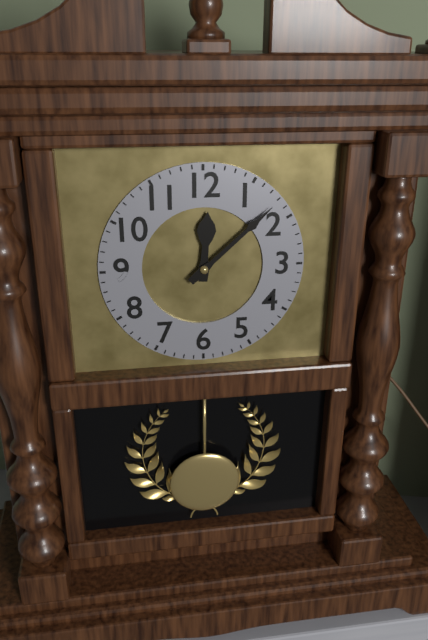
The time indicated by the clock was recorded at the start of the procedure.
12:08
